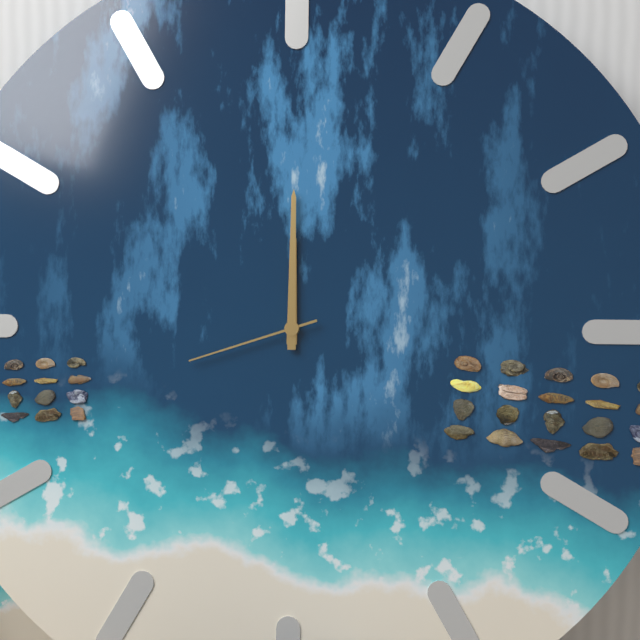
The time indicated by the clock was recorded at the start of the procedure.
12:00:42
